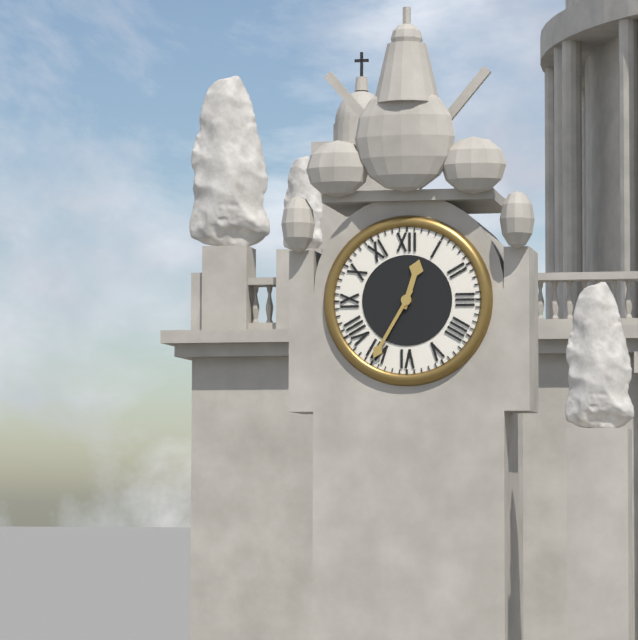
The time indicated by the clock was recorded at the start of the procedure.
12:35
